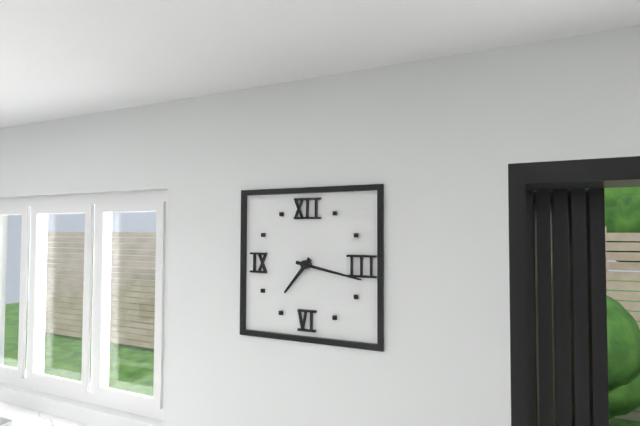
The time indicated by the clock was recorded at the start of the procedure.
7:17
